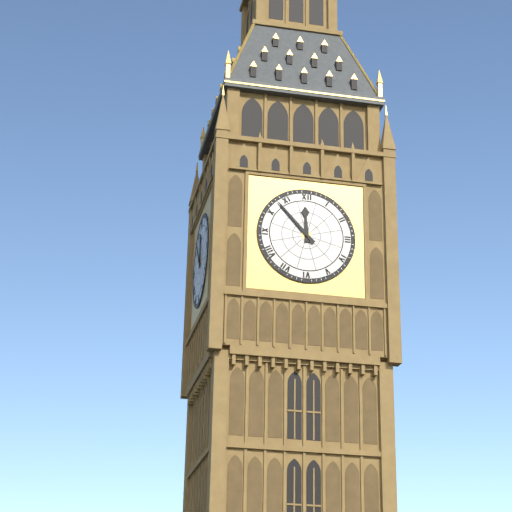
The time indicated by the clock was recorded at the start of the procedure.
11:53
